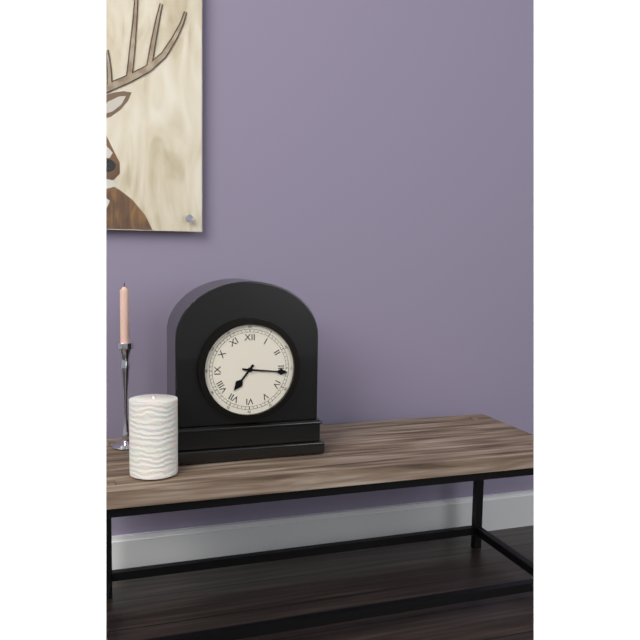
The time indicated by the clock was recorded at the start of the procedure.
7:16
